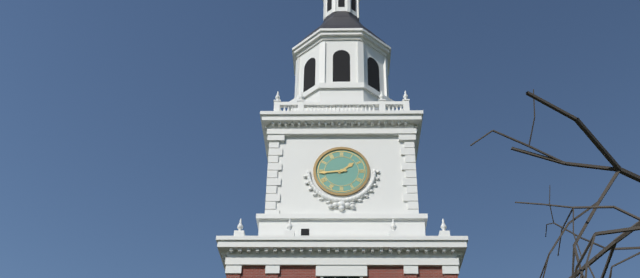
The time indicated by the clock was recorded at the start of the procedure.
1:44
